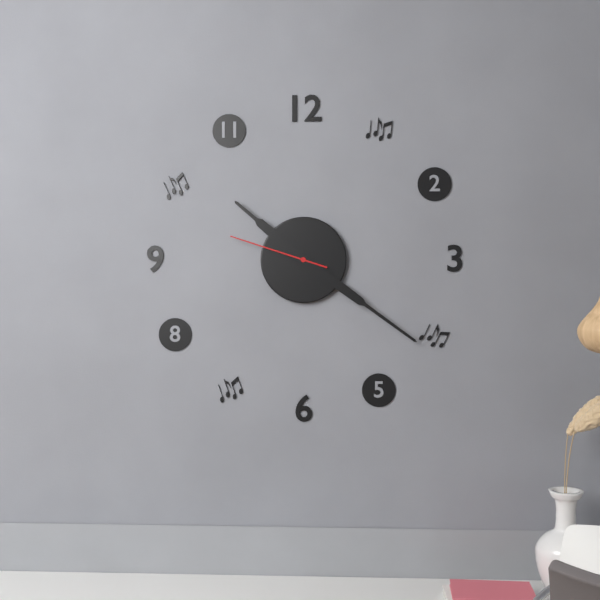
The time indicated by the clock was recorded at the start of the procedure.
10:21:48
